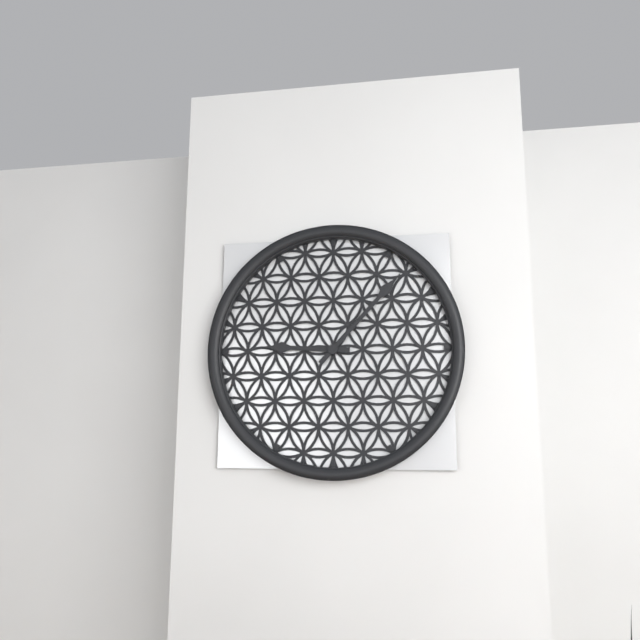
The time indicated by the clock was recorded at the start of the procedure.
9:07
